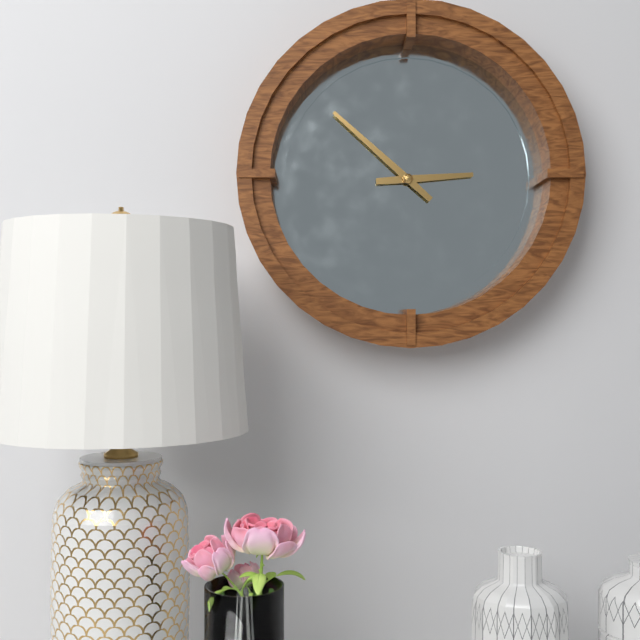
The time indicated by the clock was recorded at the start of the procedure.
2:52
